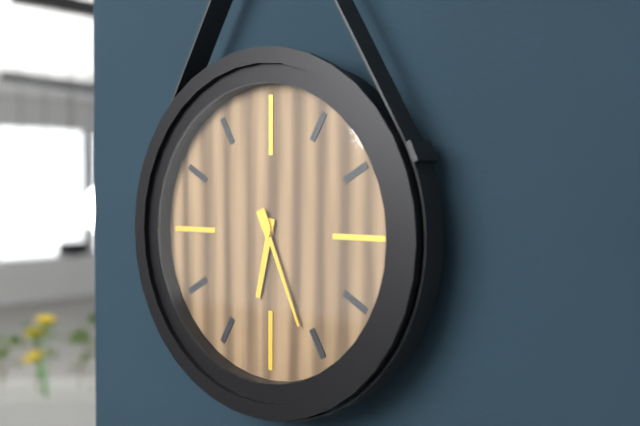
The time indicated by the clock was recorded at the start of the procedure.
6:26
